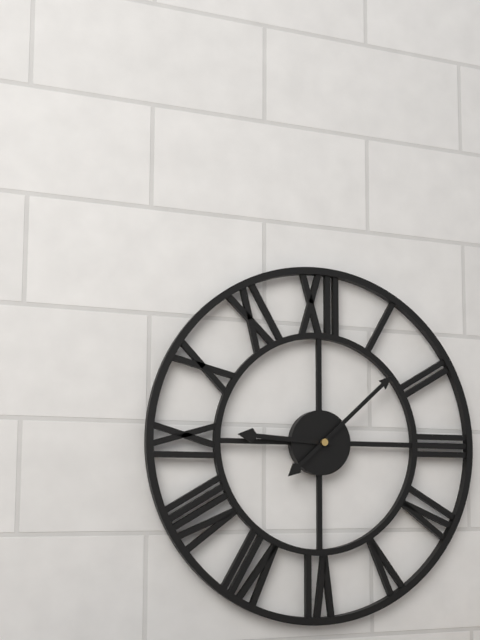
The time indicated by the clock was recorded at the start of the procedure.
9:08
